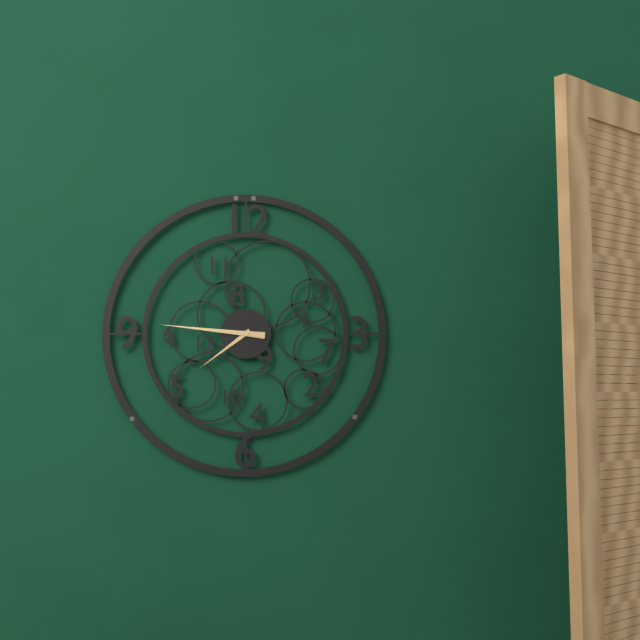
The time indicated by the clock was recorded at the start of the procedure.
7:46
